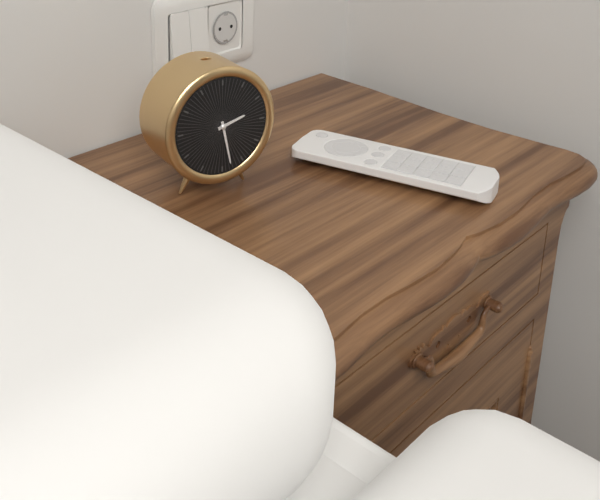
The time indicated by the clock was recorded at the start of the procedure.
2:28
